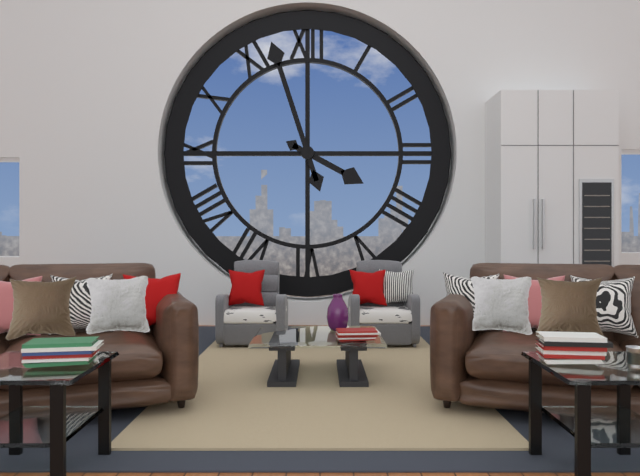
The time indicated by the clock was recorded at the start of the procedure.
3:57
